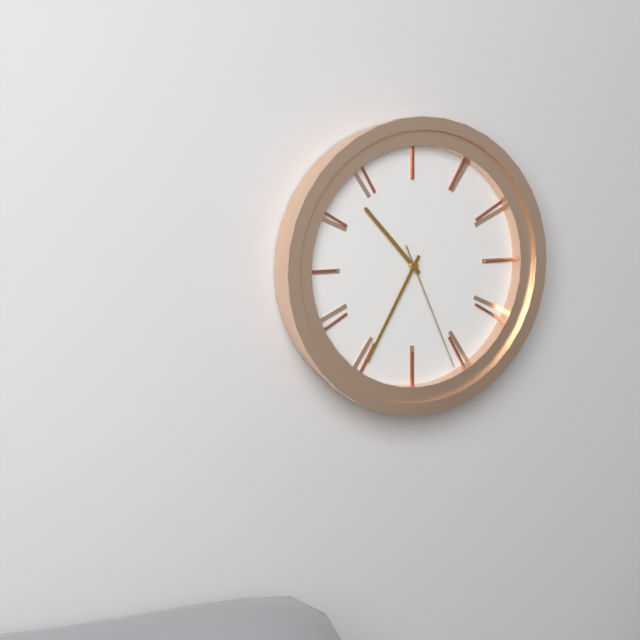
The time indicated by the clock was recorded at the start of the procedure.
10:35:26
